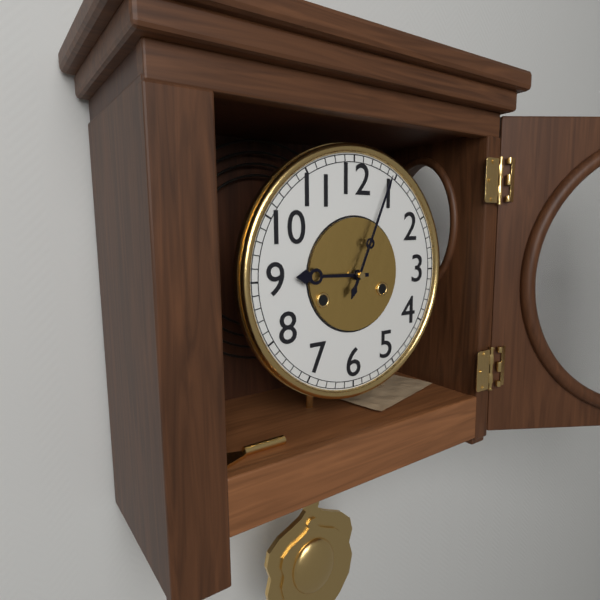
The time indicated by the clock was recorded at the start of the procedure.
9:04
